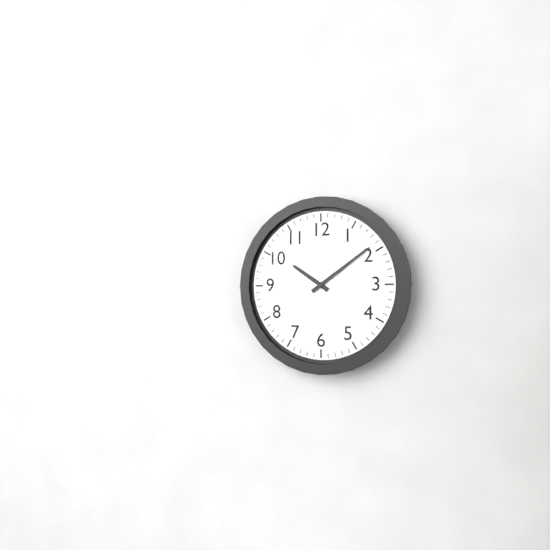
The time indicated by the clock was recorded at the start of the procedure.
10:09
